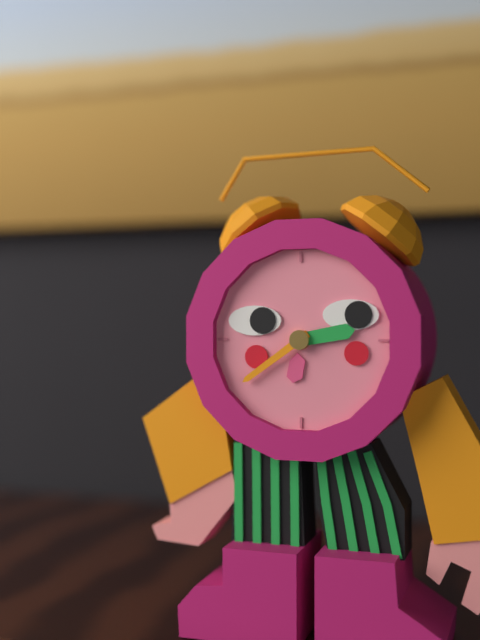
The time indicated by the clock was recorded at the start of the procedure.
2:39
